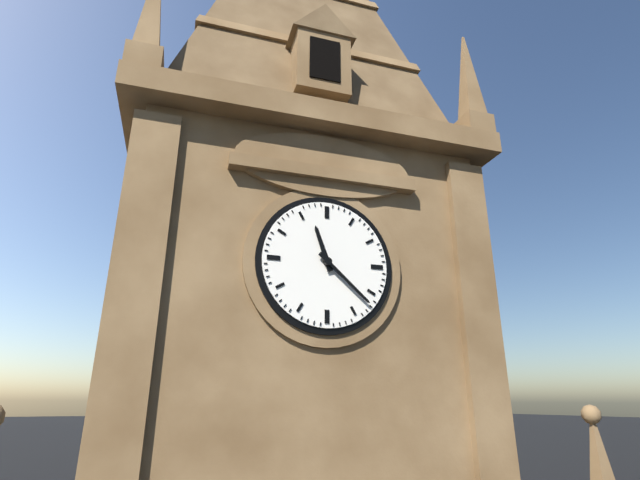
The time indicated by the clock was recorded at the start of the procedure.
11:22
